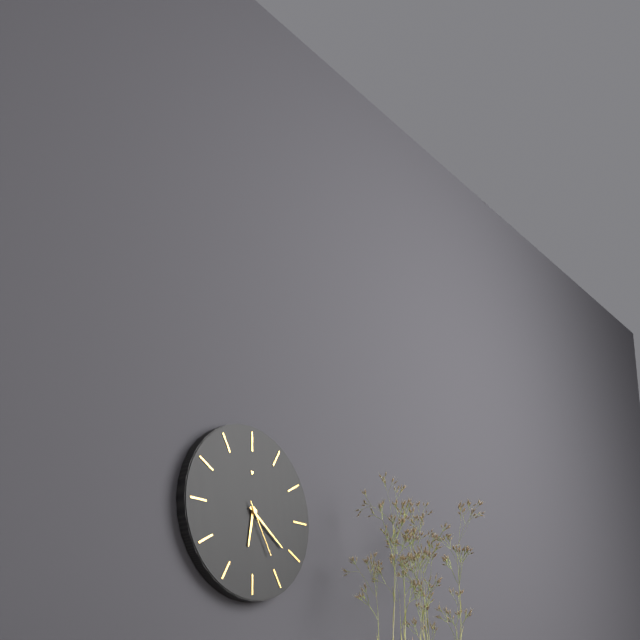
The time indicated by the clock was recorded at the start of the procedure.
6:21:25
